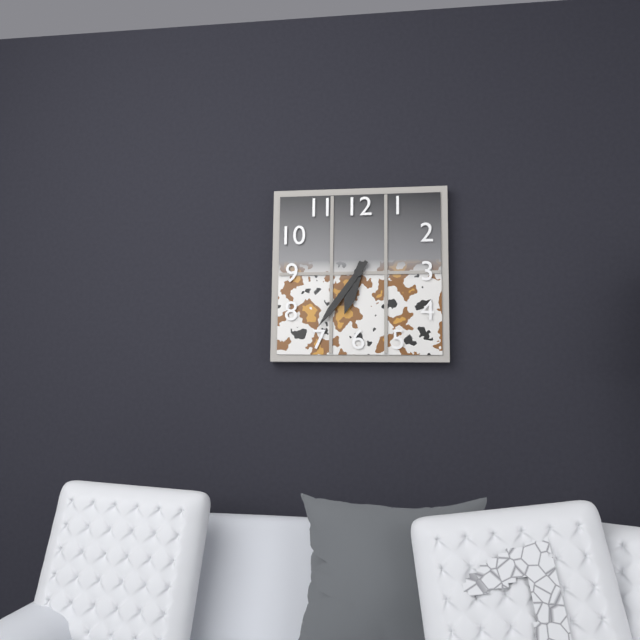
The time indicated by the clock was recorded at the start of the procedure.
6:36
